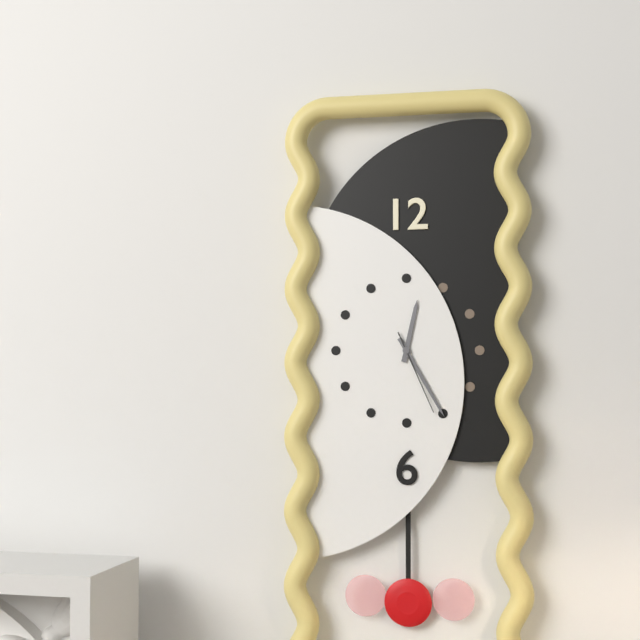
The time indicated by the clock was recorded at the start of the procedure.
12:25:26
